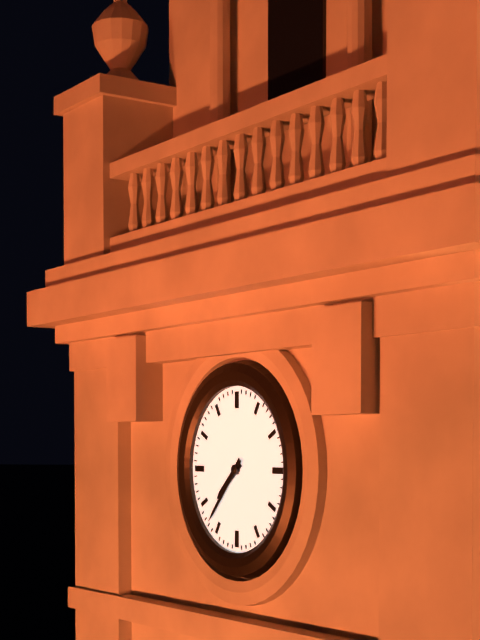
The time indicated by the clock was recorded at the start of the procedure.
7:37
